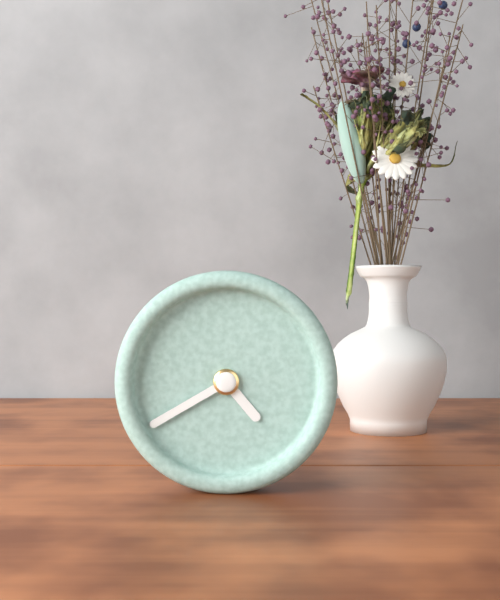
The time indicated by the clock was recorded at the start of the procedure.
4:40
